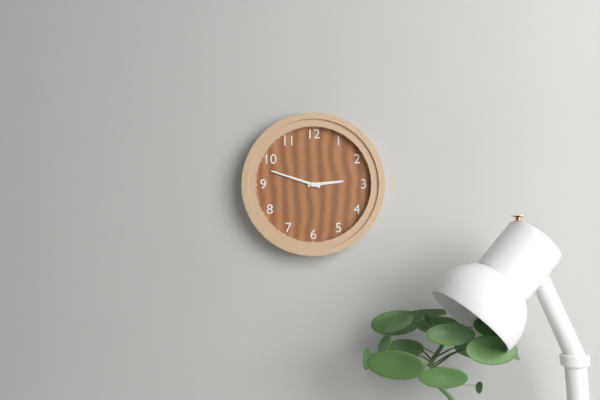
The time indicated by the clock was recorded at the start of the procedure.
2:48
